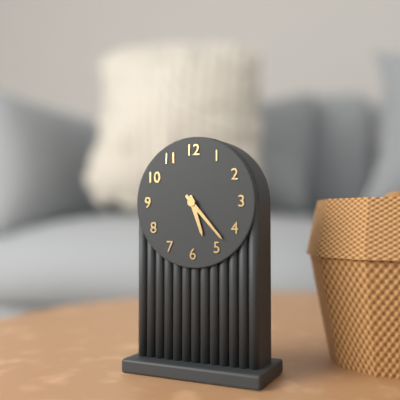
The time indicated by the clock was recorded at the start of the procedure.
5:23
